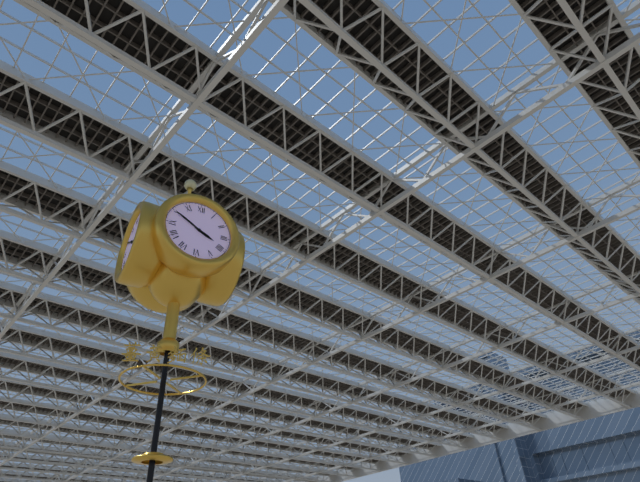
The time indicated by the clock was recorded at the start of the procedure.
3:50
